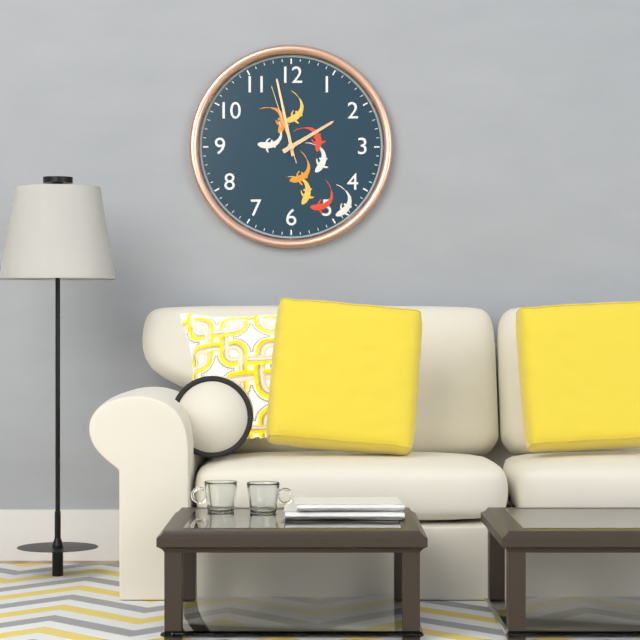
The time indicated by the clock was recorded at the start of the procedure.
1:58:57
